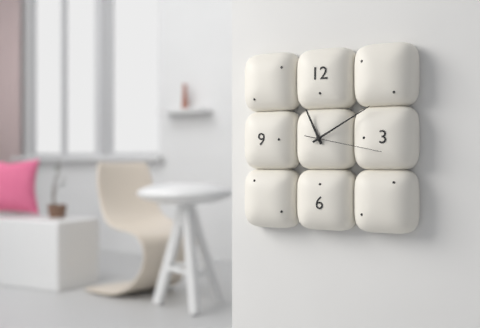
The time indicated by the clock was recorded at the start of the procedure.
11:10:17
